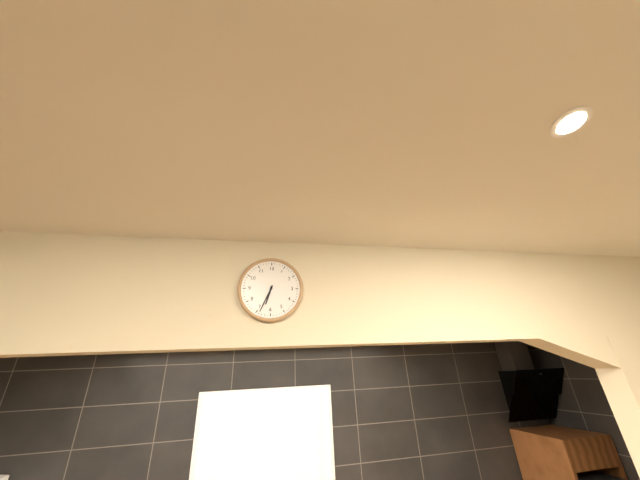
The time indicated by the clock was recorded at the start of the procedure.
6:34
